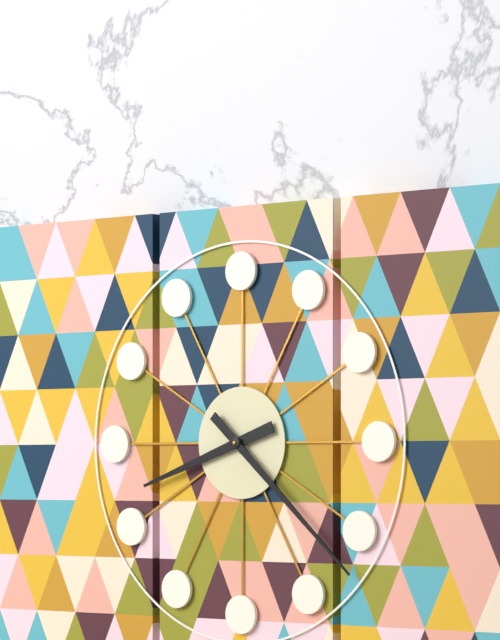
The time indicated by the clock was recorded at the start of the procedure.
8:22
